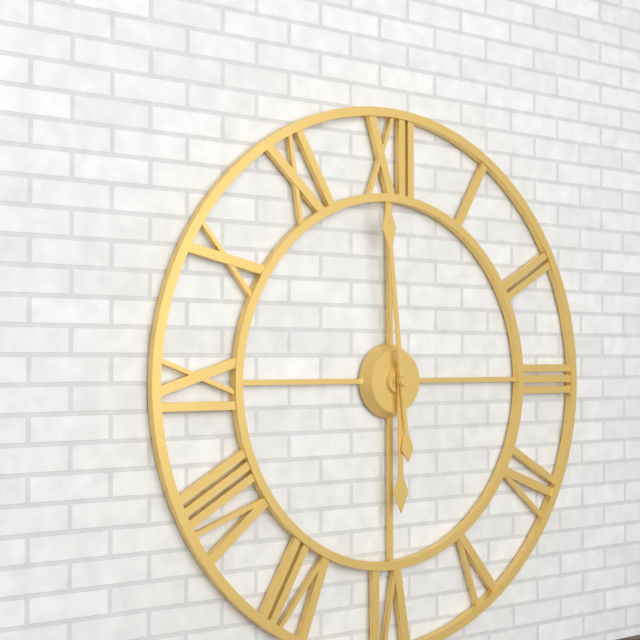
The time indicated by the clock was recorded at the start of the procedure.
5:59
